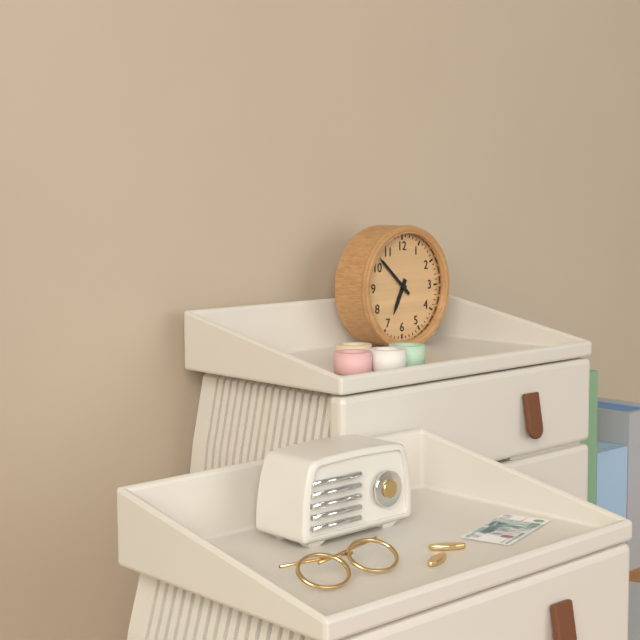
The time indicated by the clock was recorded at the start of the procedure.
6:52
